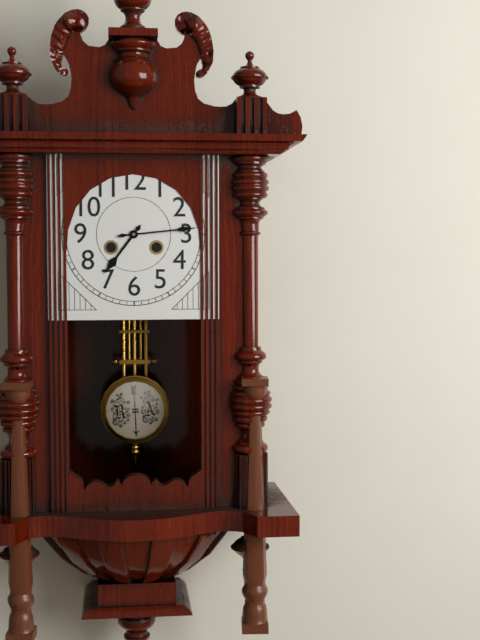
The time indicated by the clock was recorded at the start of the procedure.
7:14
